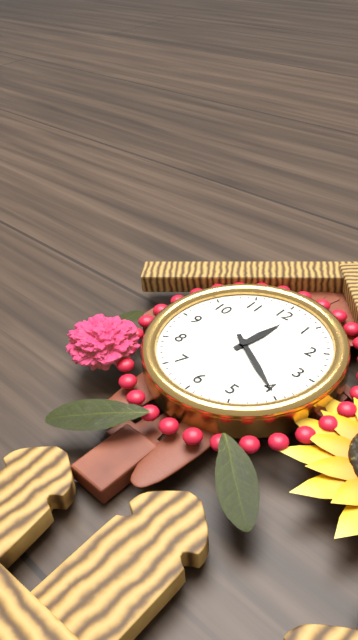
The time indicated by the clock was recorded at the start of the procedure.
12:20
